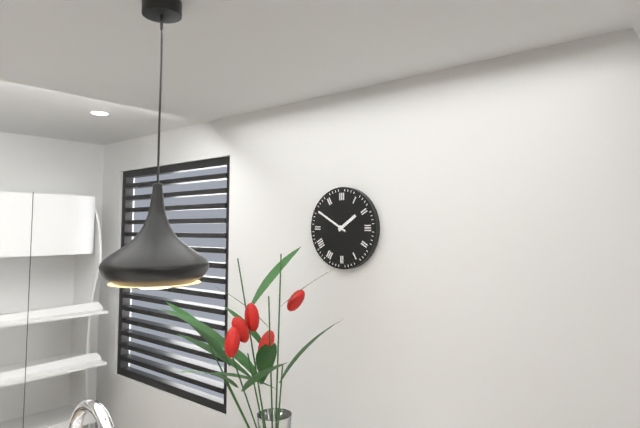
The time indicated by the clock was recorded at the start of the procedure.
1:50
